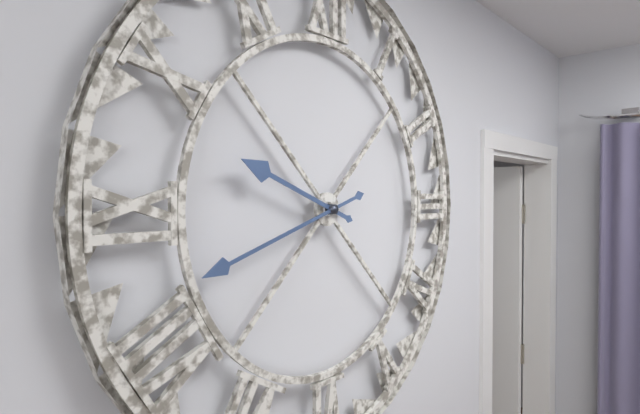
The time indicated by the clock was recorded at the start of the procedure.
9:42
